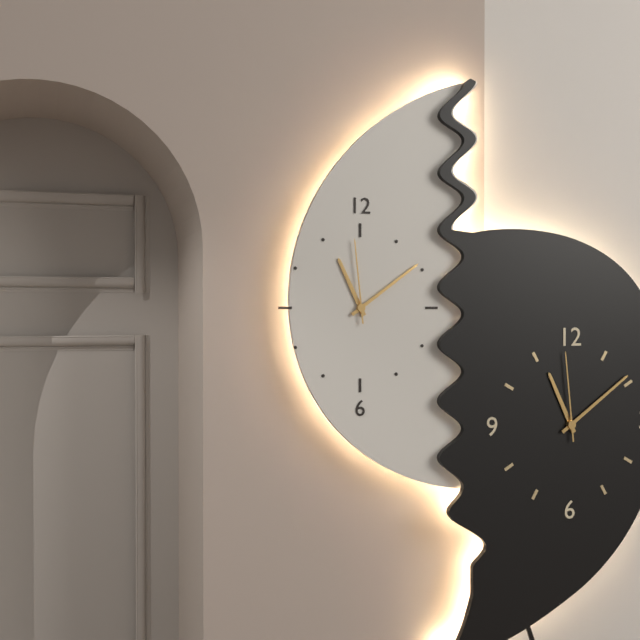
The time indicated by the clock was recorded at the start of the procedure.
11:09:59
